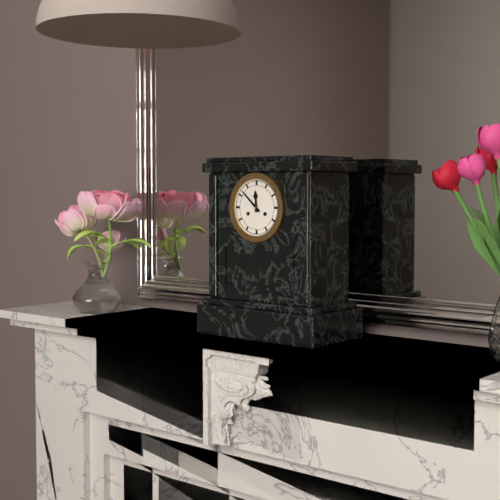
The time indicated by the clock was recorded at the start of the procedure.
11:52
